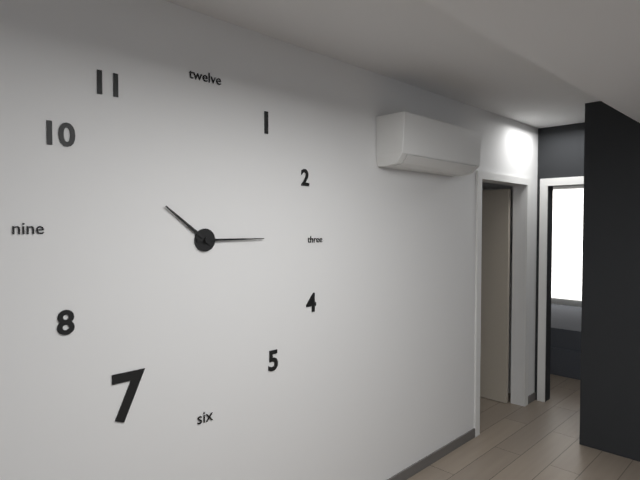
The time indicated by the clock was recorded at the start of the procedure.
10:15
